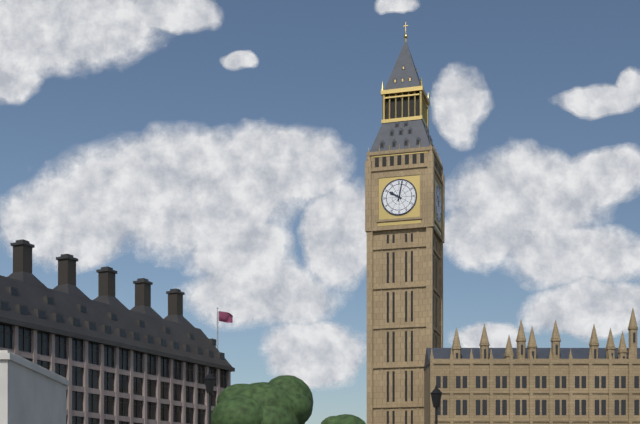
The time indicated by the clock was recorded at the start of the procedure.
10:02
